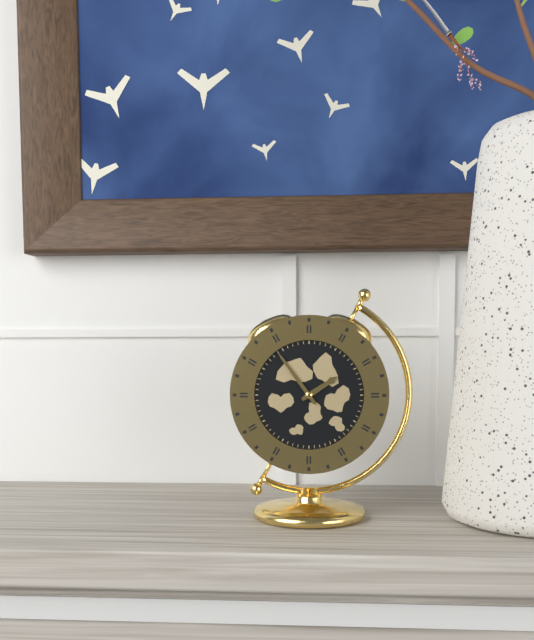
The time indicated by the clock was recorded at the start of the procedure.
1:54
